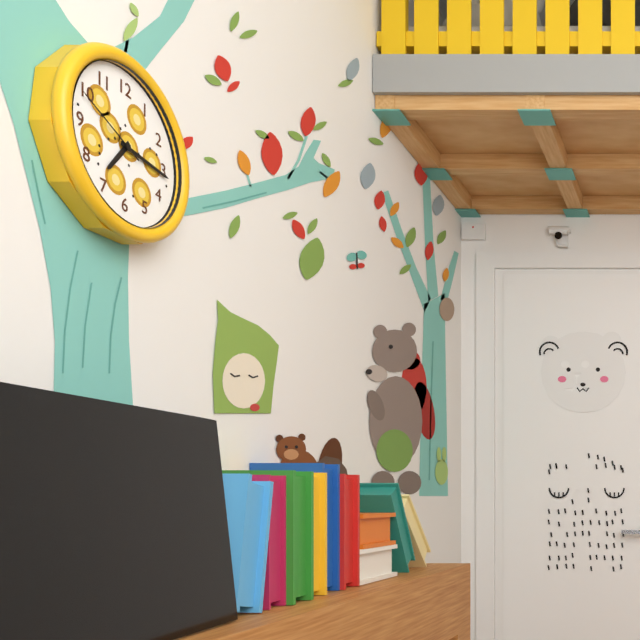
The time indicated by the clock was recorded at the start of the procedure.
7:16:49
